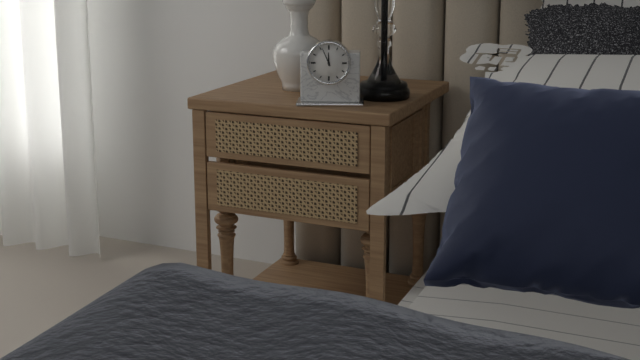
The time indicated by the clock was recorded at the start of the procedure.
11:56
